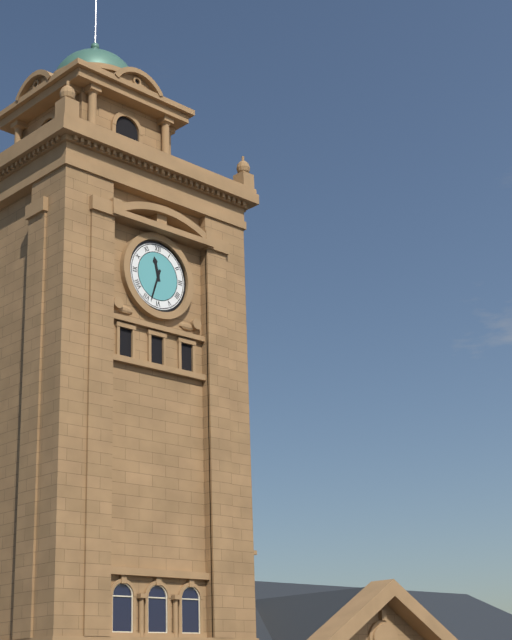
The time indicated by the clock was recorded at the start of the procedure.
11:33
